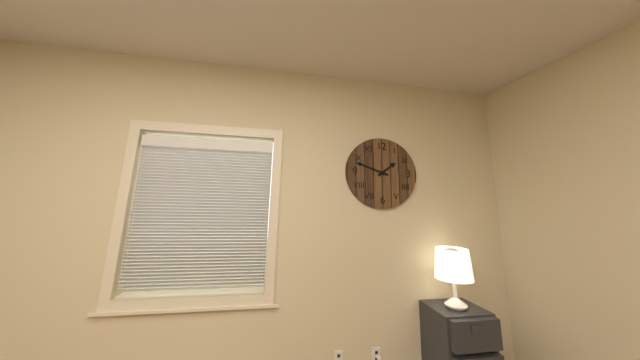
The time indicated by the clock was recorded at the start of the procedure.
1:48
